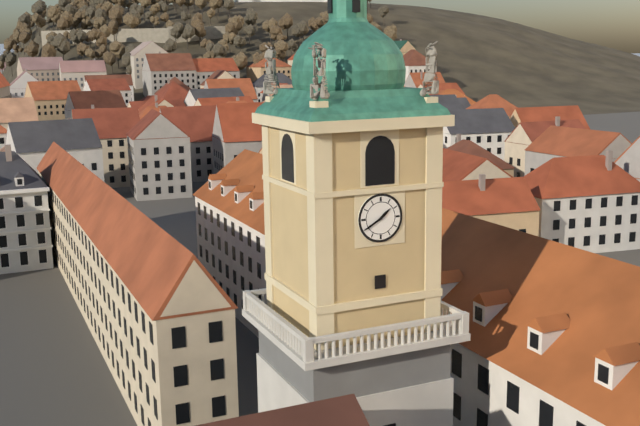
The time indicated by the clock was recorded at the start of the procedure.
1:40
